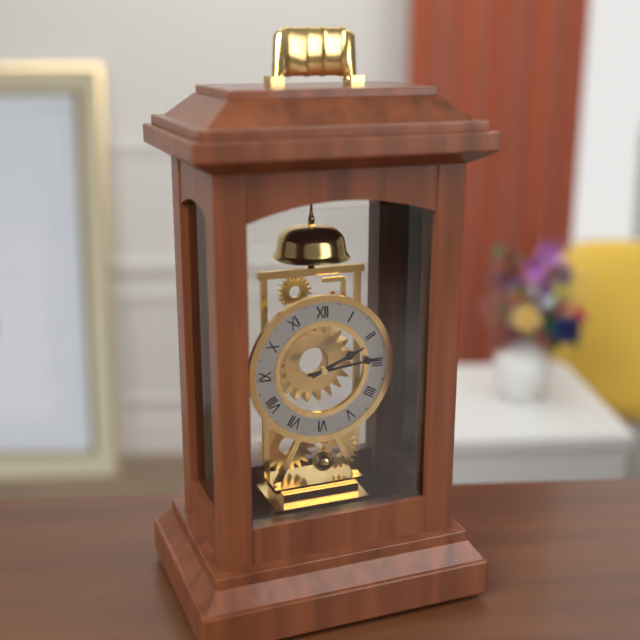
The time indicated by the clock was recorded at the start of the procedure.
2:14
